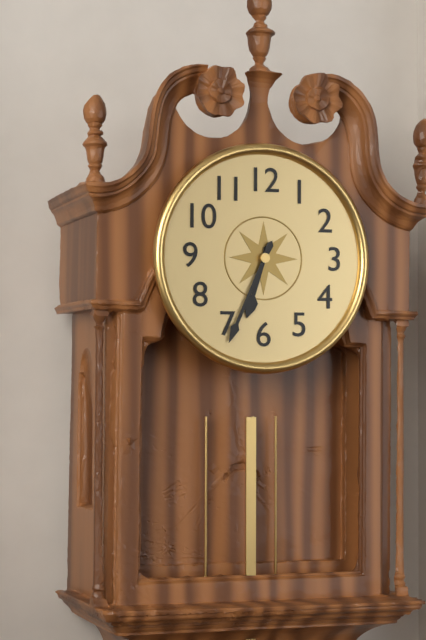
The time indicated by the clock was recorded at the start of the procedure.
6:34
